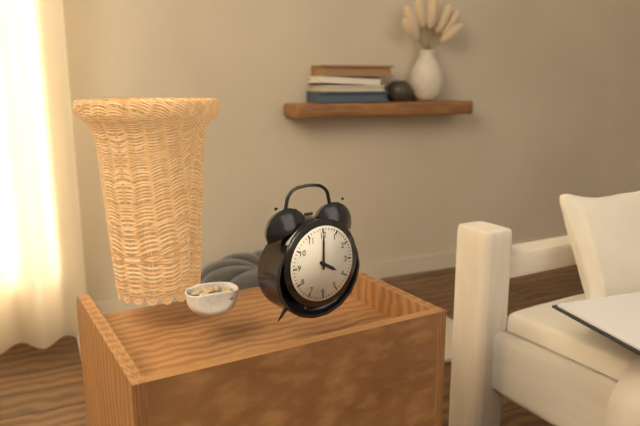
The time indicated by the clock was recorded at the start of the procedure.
4:00
